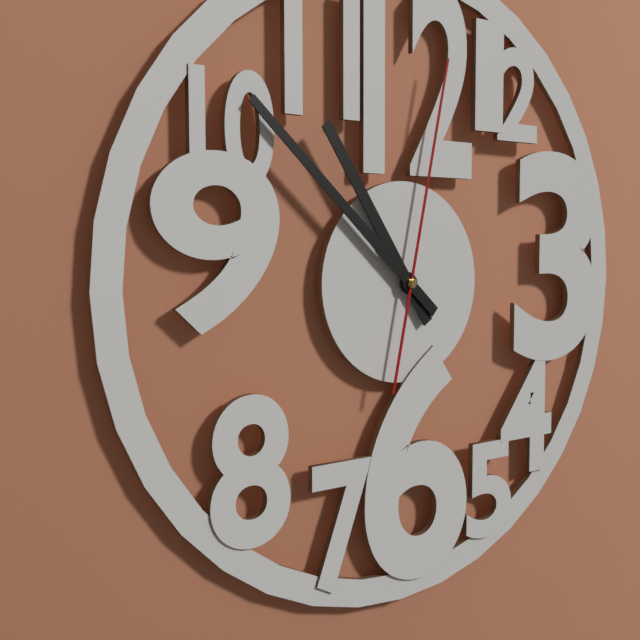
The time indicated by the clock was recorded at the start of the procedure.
10:52:02
